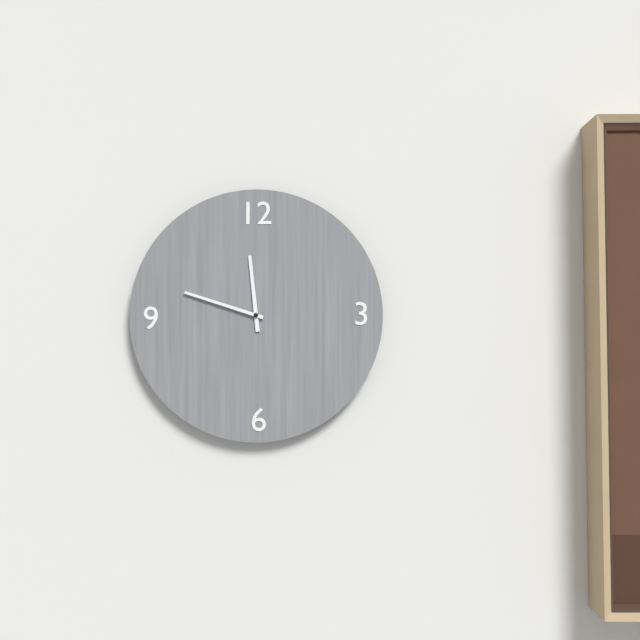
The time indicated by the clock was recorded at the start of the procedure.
11:48
